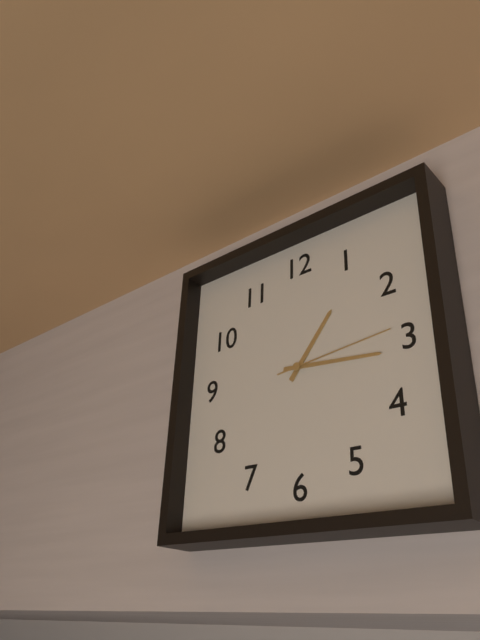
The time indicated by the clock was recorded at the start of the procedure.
1:16:14
